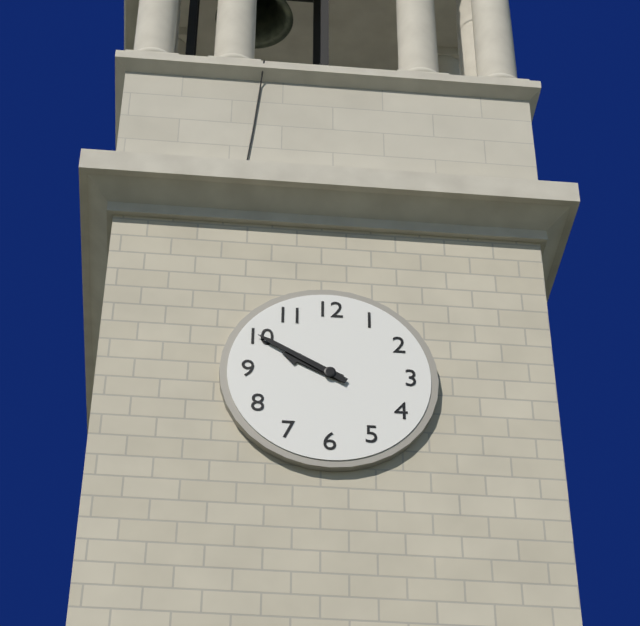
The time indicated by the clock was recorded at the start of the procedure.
9:50
